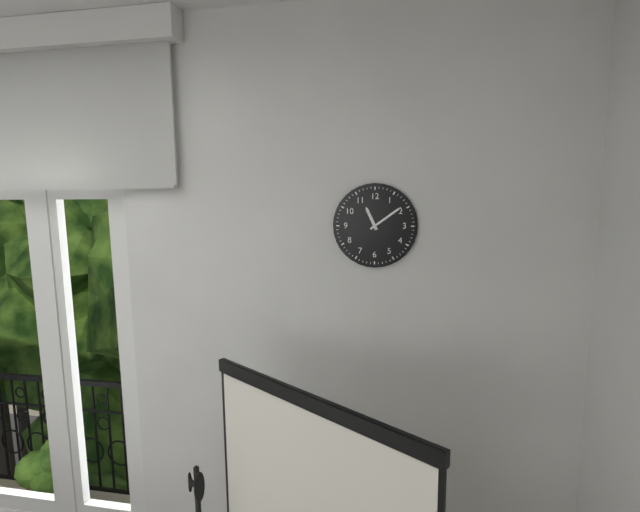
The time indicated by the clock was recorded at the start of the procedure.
11:09
